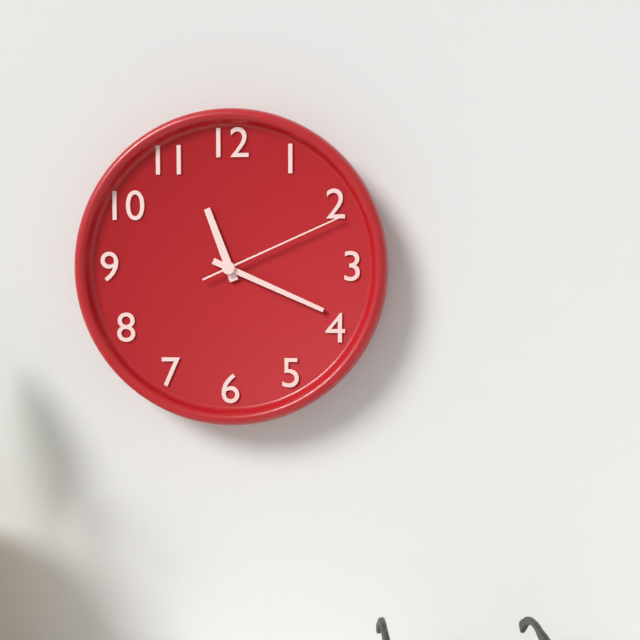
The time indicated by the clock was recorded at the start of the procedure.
11:19:11
